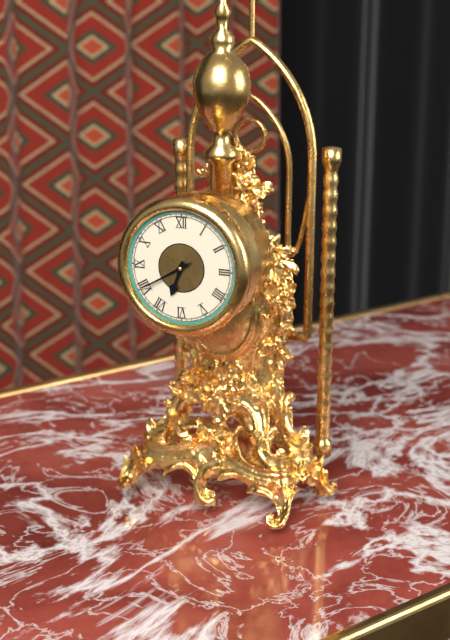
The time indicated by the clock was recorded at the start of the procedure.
6:40
